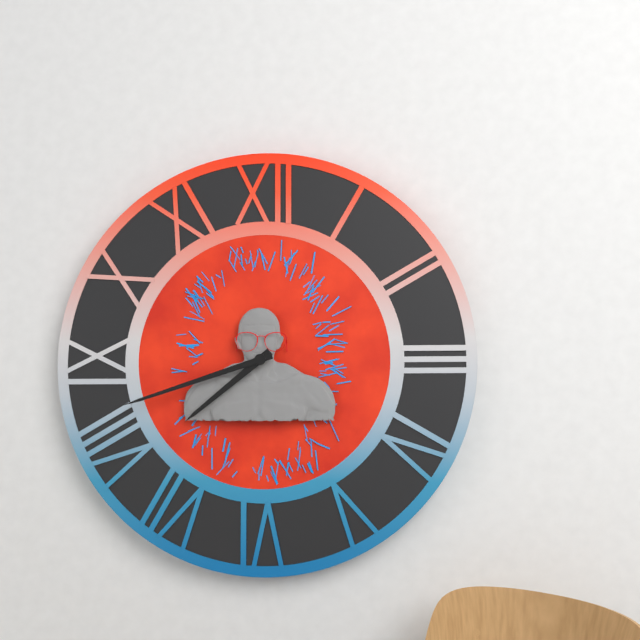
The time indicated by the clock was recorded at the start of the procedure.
7:42
